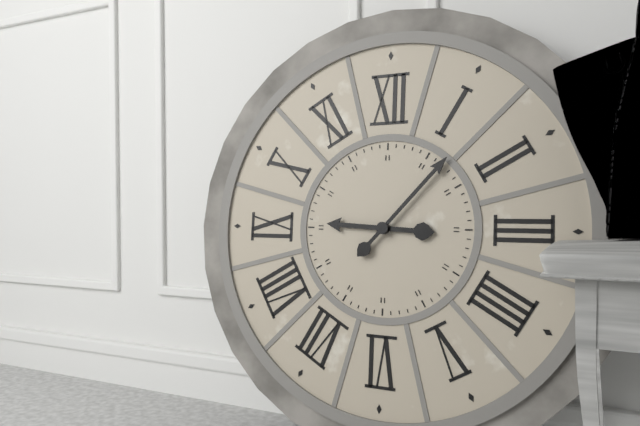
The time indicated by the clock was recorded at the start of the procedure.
9:07
